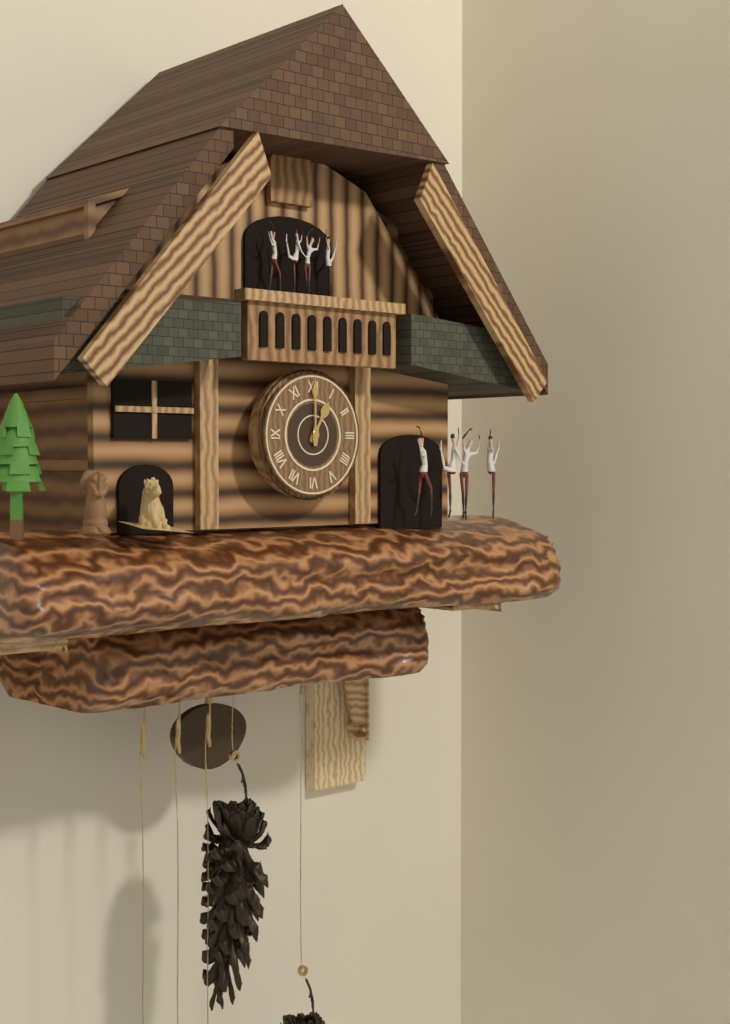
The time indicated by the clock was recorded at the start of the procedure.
1:00
